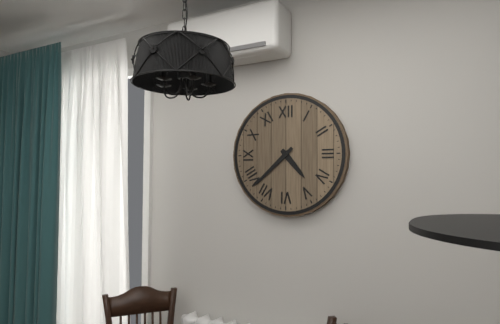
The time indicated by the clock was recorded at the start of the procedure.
4:38
